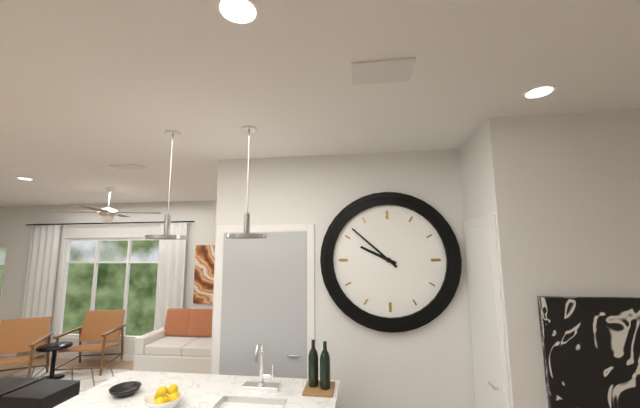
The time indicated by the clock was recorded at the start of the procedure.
9:52
